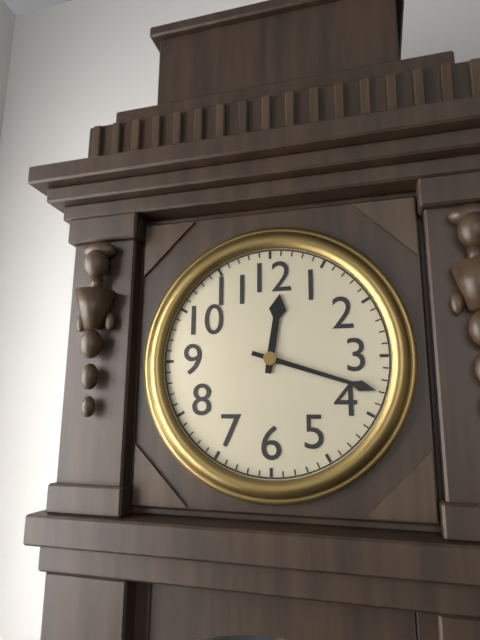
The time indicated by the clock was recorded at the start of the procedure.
12:18
